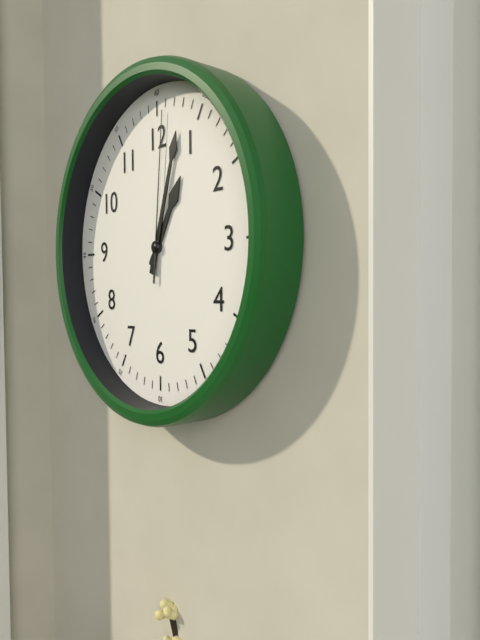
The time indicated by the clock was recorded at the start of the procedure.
1:03:01
